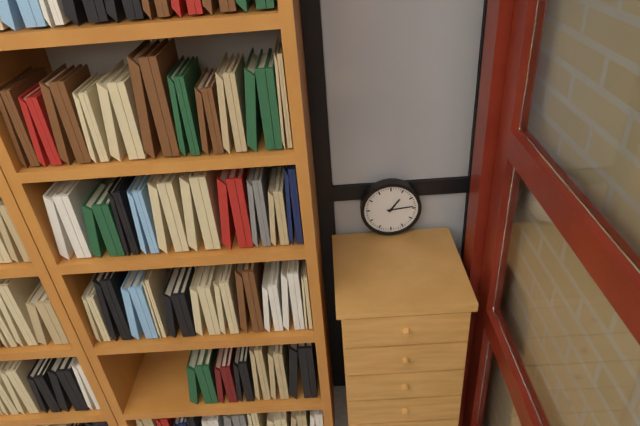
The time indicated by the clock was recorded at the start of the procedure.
1:14
